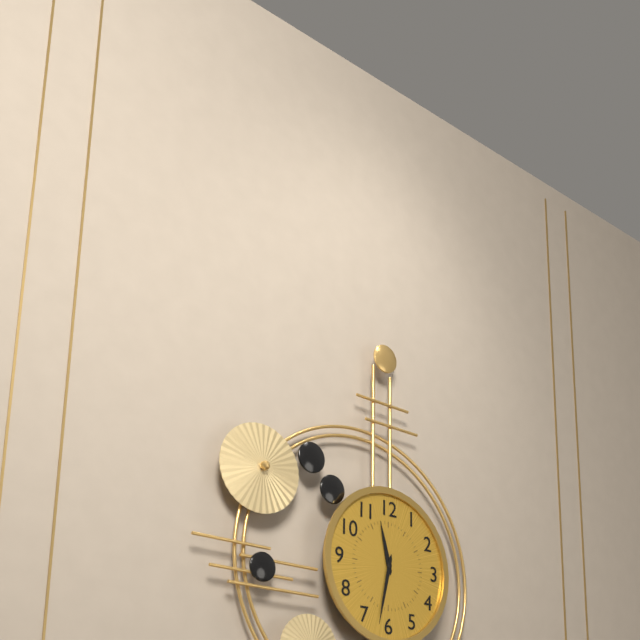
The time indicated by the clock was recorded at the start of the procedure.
11:32
